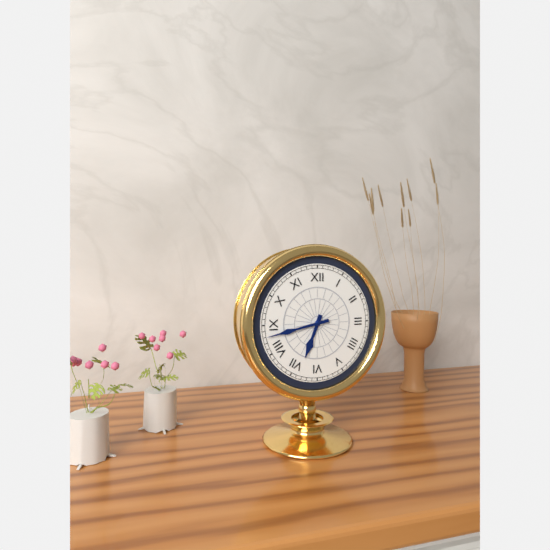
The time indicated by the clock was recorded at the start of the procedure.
6:43
